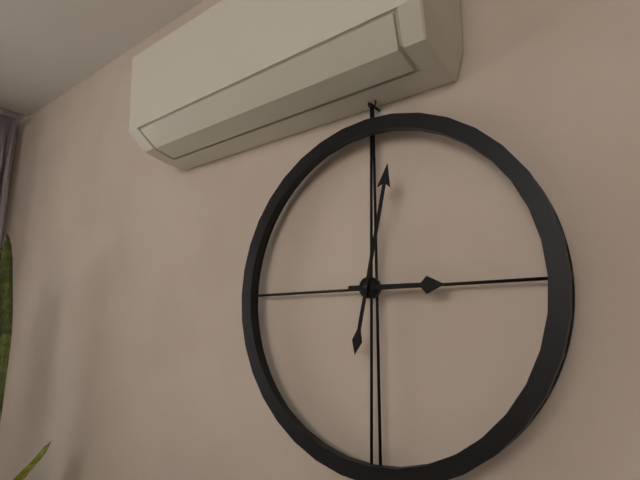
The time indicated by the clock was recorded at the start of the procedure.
3:02
